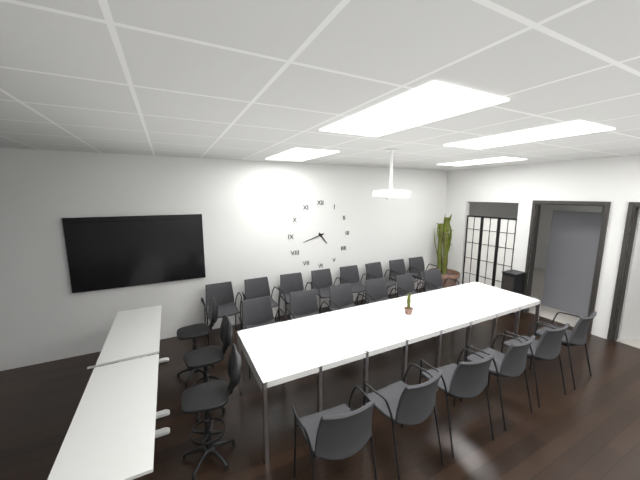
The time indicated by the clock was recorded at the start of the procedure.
4:42
